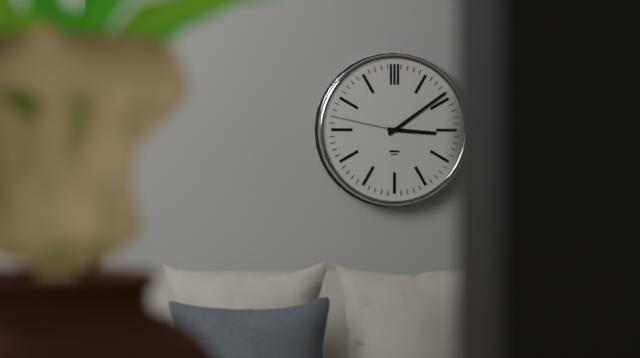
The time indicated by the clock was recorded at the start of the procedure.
3:09:47
